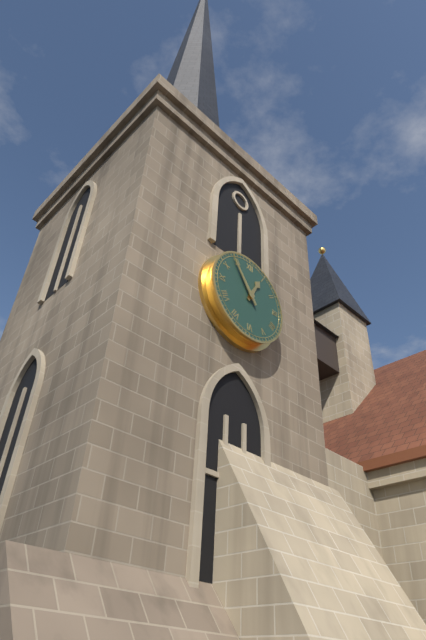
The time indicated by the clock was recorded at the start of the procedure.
12:54
